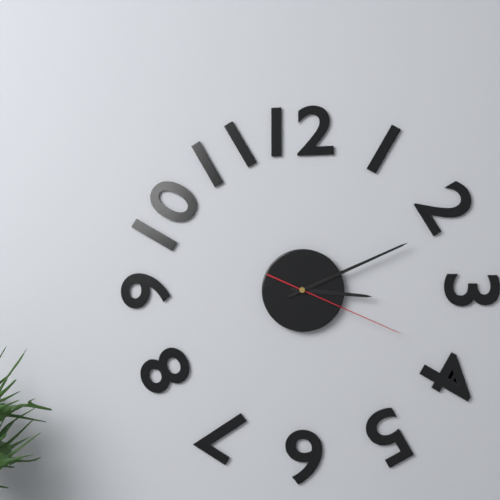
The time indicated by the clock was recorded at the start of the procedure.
3:11:19
